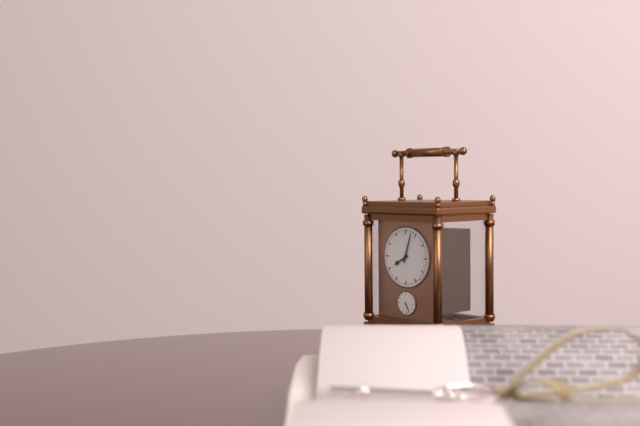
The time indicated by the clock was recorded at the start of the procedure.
8:03
